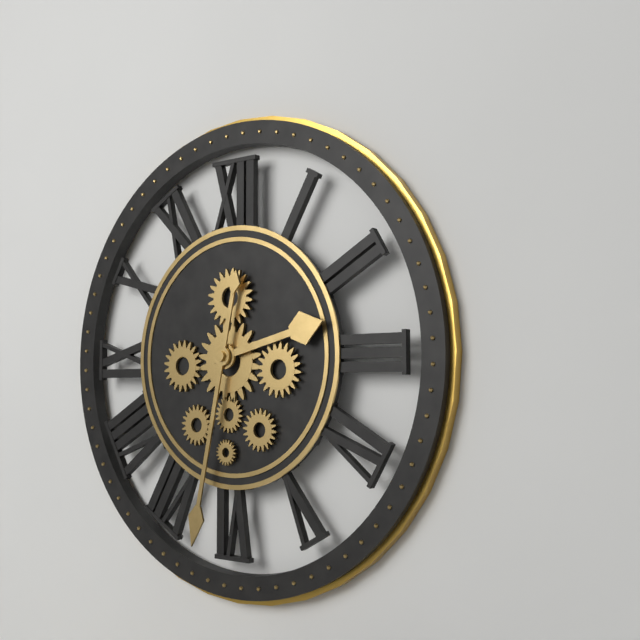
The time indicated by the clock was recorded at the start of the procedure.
2:32
